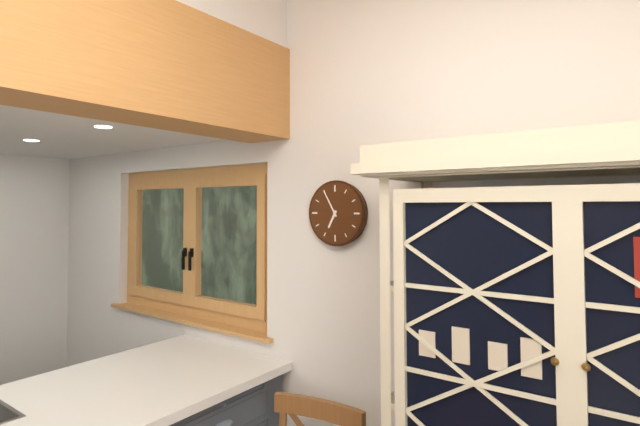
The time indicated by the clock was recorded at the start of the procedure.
6:55
